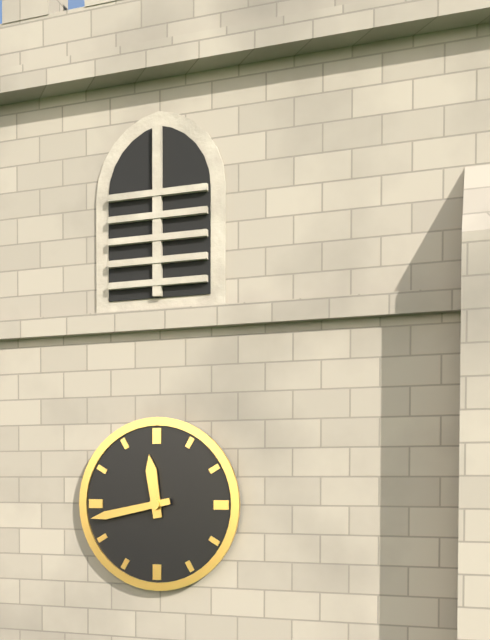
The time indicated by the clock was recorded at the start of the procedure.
11:43
